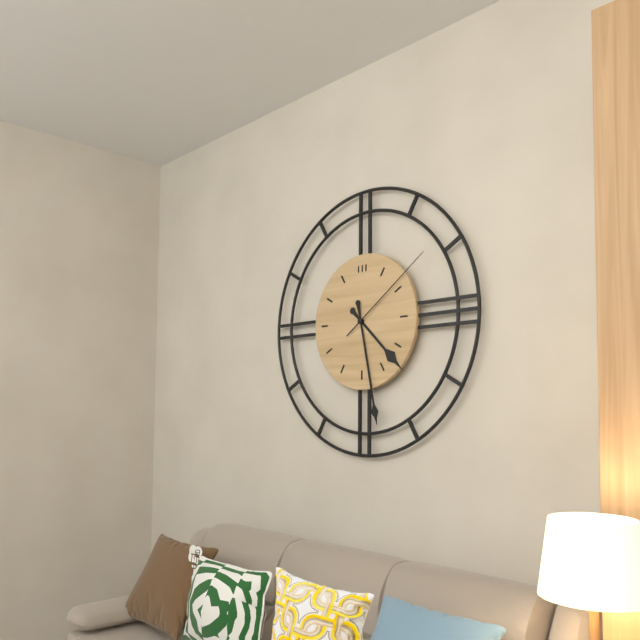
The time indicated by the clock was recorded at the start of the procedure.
4:28:09
